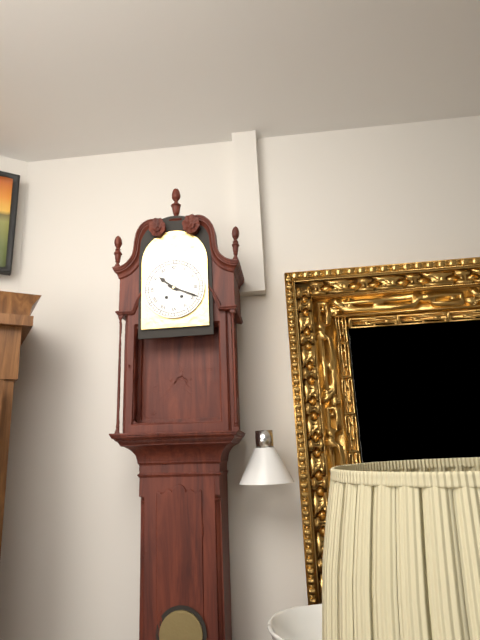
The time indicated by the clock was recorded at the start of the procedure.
10:19
